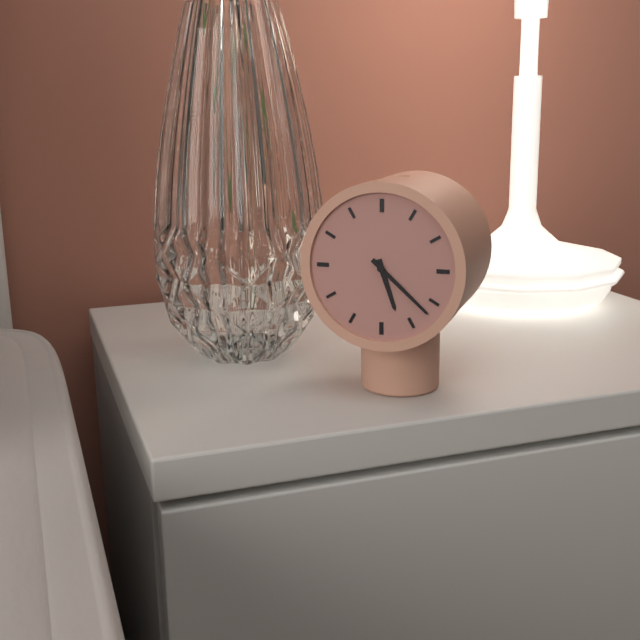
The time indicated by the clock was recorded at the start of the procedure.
5:22
